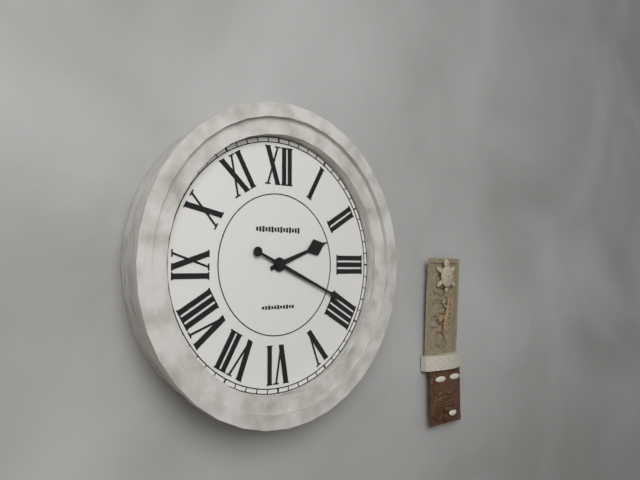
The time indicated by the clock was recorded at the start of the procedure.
2:19
